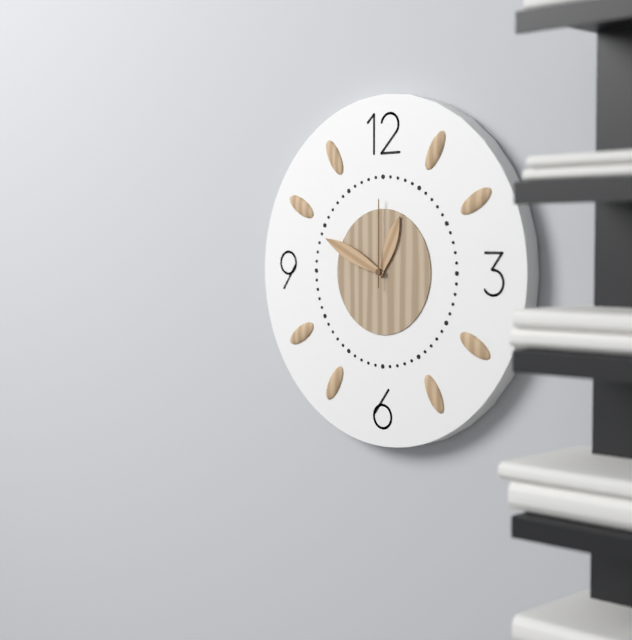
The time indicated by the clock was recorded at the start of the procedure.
12:49:00
